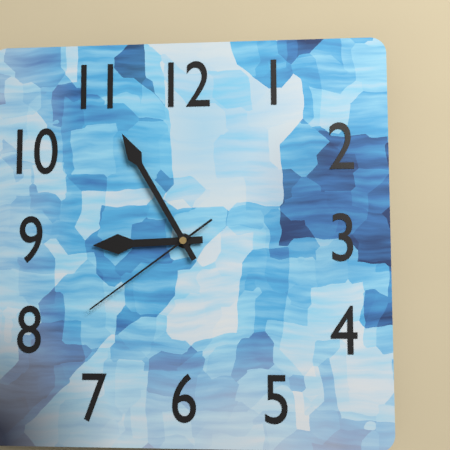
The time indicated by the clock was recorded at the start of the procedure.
8:55:39
